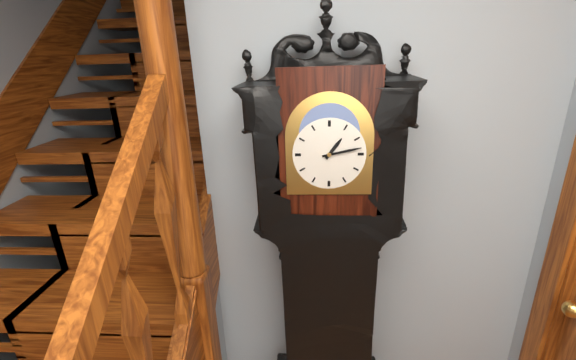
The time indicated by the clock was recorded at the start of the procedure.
1:13
